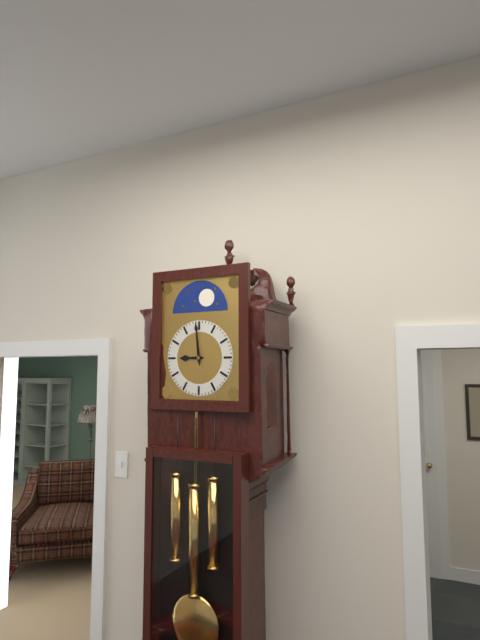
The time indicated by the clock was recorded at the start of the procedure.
8:59
